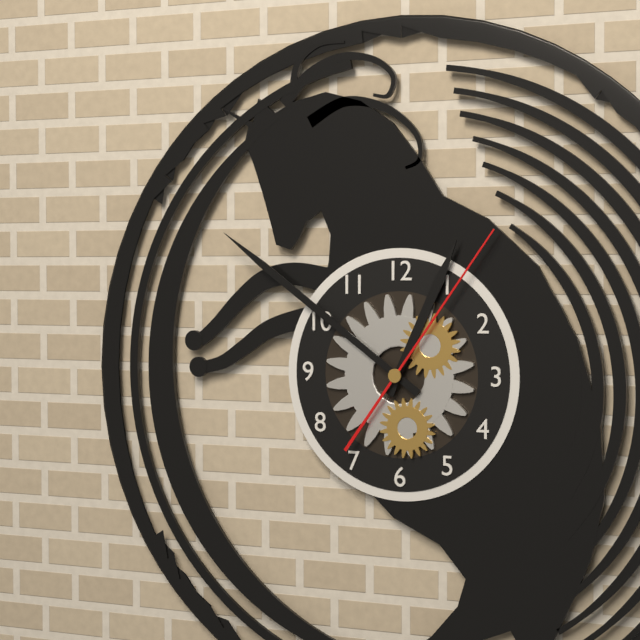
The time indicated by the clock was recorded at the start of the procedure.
12:51:06
